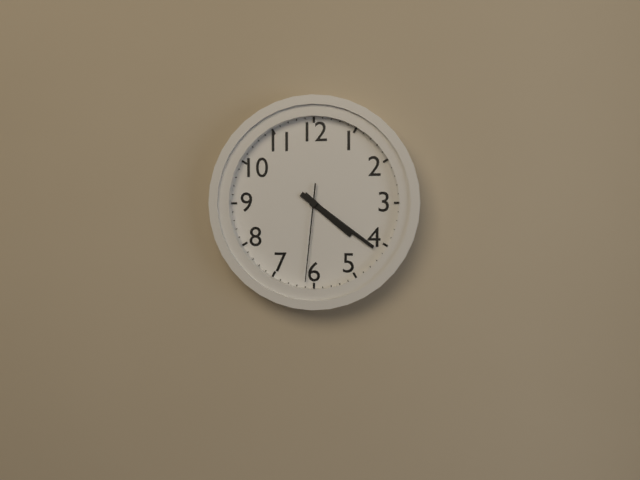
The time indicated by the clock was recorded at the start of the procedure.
4:21:31
